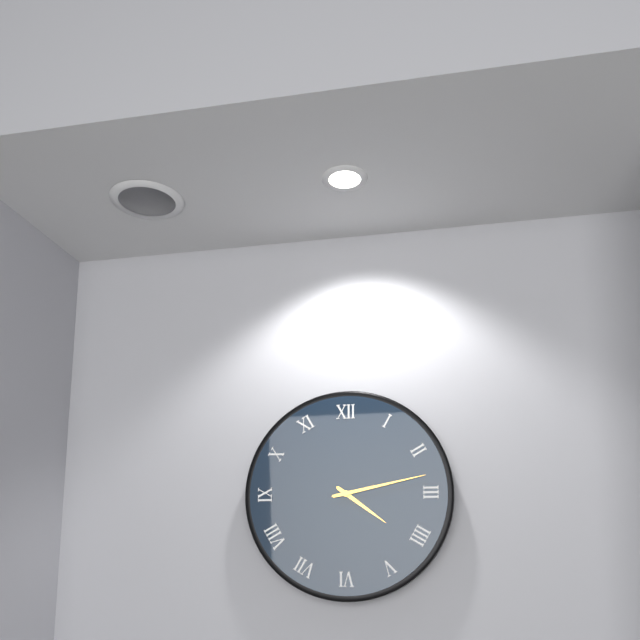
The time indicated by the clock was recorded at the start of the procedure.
4:13
